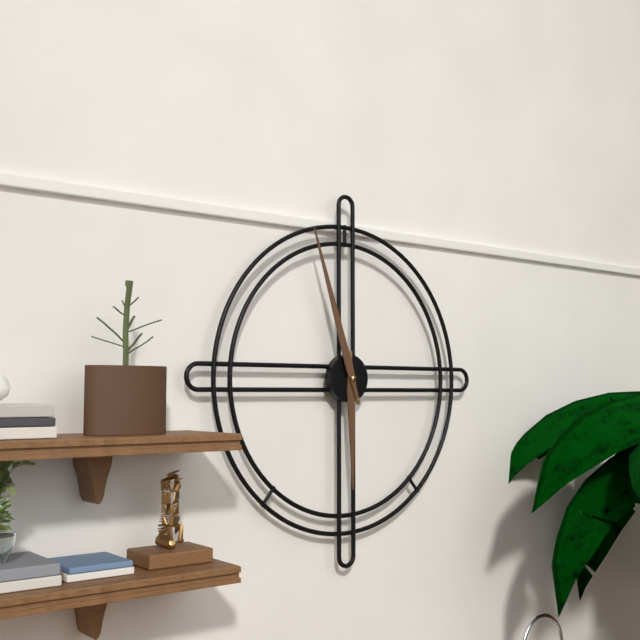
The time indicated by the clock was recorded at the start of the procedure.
5:57
